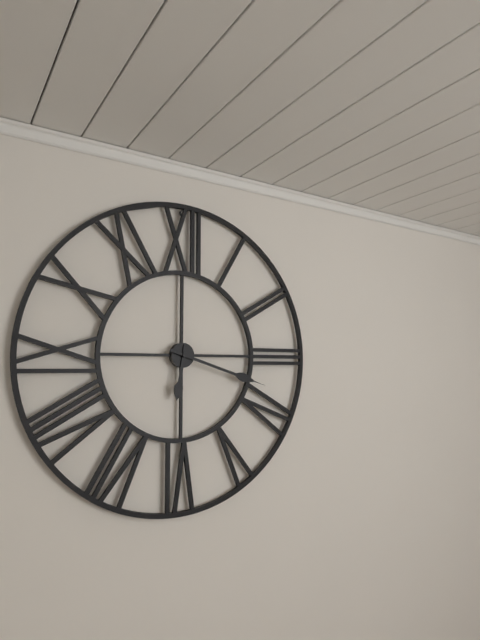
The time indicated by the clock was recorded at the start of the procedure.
6:18
